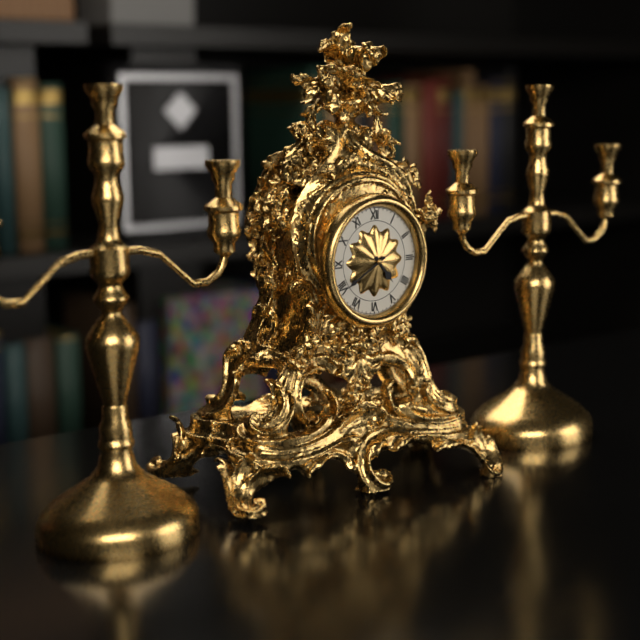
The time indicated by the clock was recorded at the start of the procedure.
4:40
